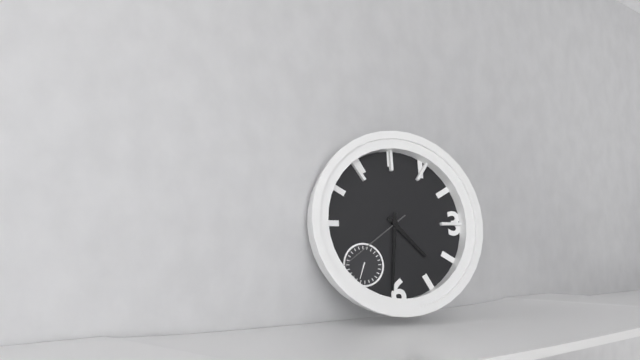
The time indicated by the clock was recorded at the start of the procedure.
4:31:39
